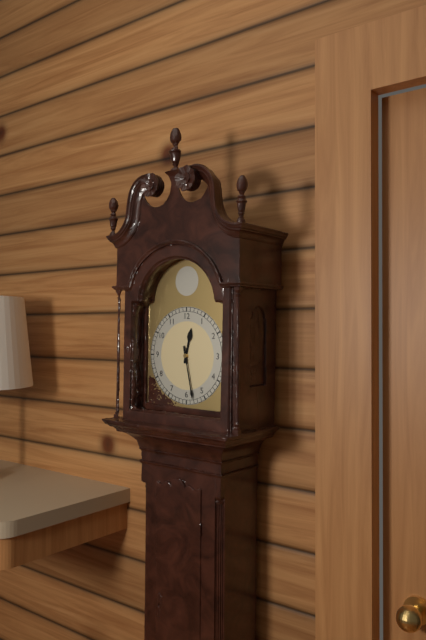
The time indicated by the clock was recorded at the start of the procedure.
12:28
